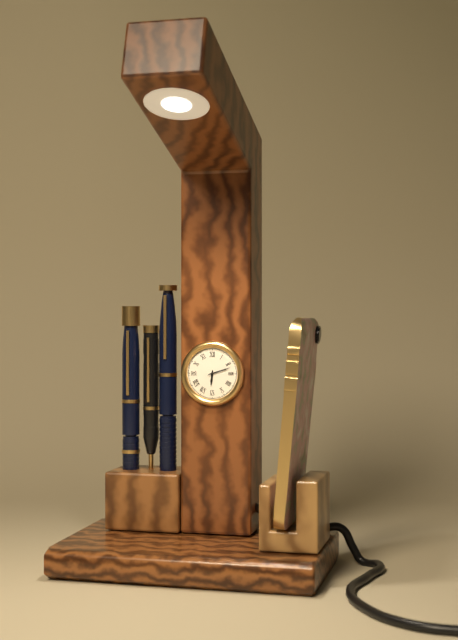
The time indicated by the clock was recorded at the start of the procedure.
6:12
